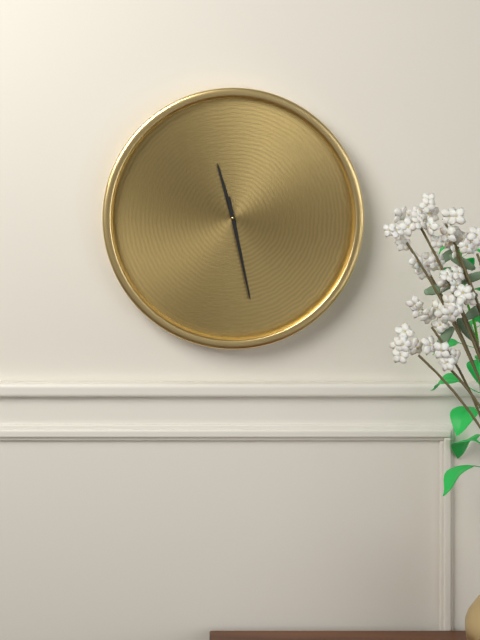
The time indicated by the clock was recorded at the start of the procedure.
11:28
